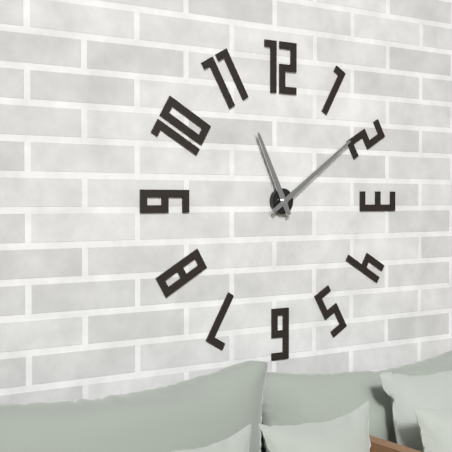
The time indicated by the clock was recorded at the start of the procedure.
11:09
